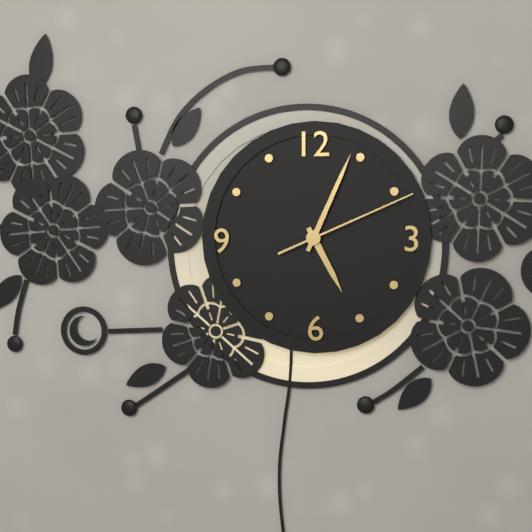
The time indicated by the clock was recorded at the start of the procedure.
5:04:11
